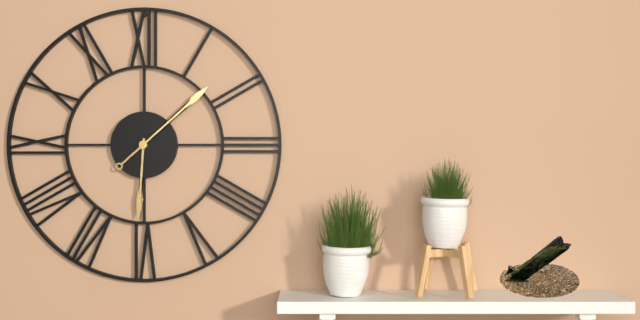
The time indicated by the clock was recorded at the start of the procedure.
6:08
